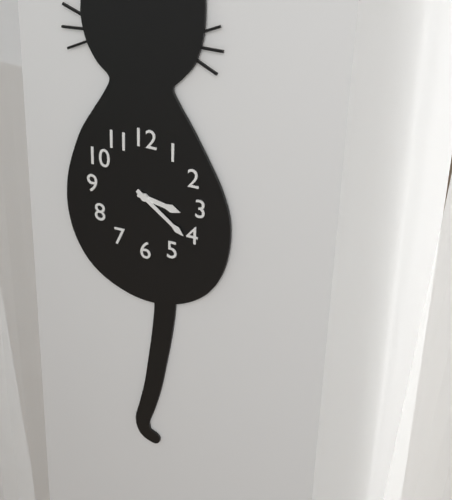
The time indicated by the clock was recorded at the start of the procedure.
3:21
